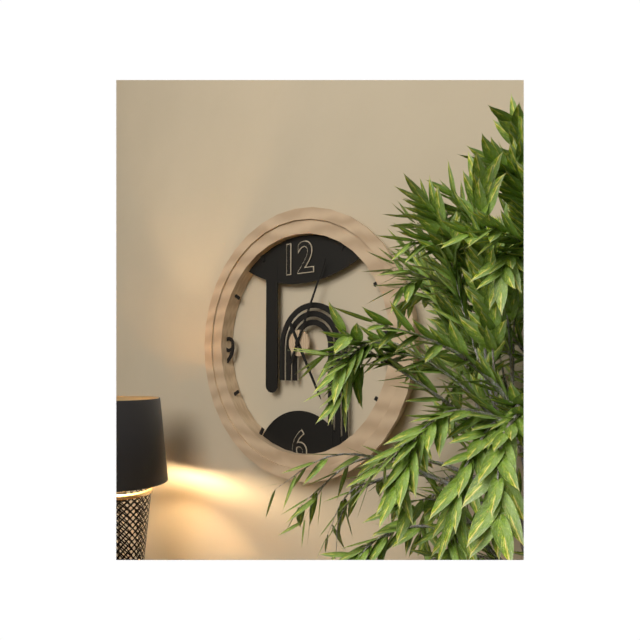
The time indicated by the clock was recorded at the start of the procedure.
5:04
